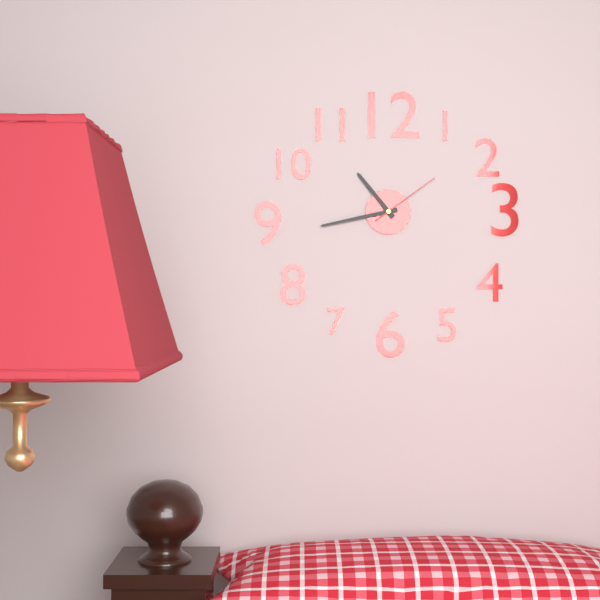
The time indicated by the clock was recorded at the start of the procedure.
10:43:09
